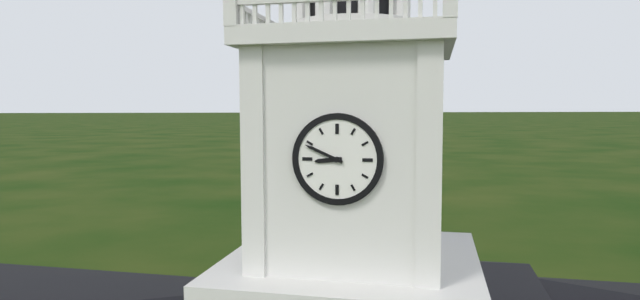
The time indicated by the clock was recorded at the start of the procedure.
8:49
